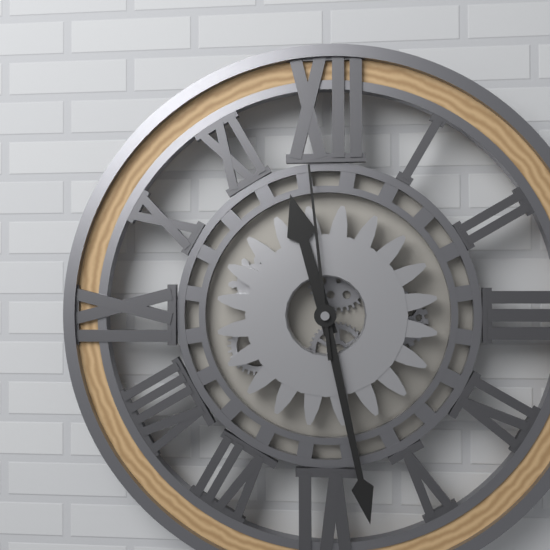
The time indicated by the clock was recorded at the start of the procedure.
11:28:59
